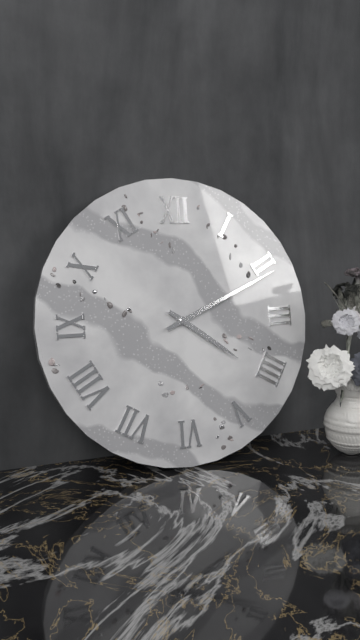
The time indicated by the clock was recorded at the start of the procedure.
4:11
